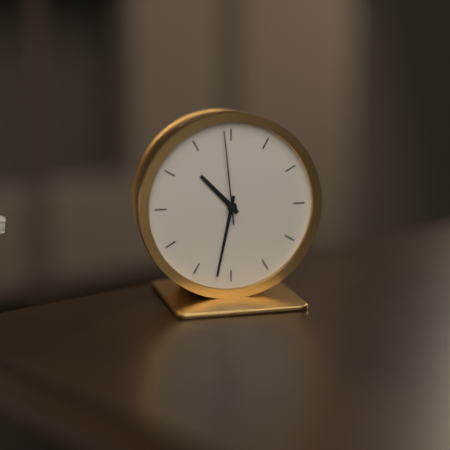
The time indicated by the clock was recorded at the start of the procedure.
10:32:59
